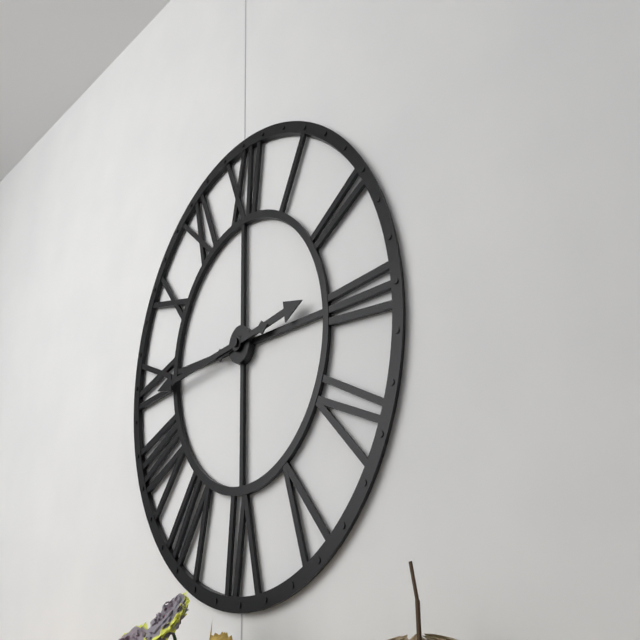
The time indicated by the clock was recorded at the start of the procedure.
2:44
